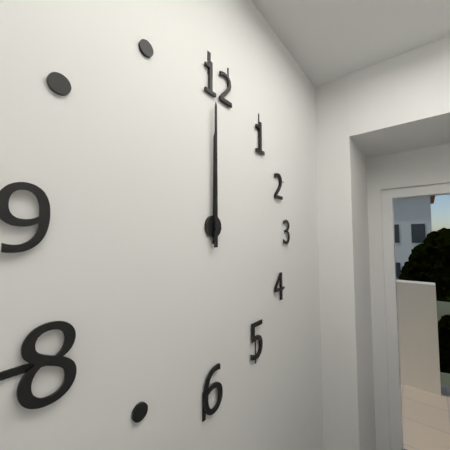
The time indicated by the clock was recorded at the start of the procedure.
12:00
